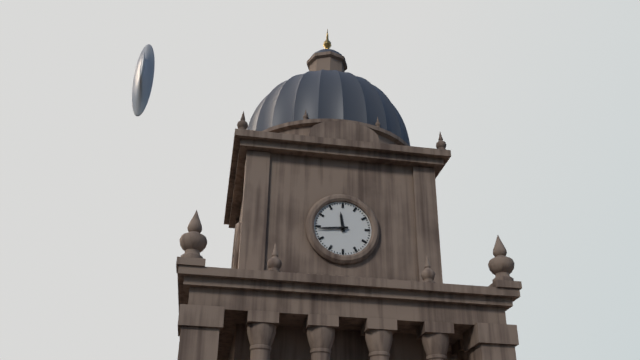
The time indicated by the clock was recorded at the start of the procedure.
11:44
